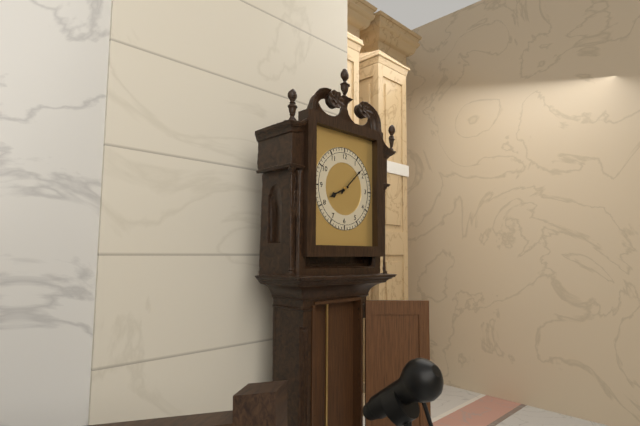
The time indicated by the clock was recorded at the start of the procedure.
8:08
